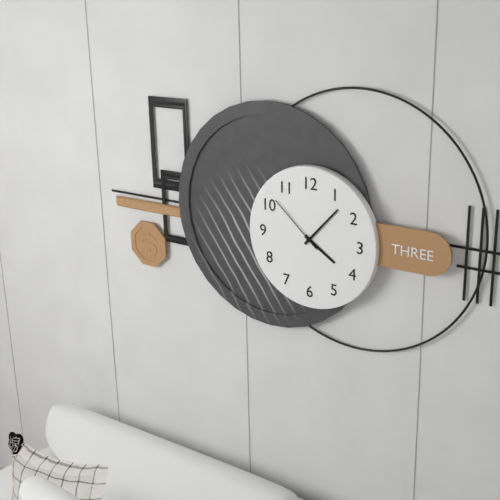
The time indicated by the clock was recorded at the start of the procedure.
4:07:52
